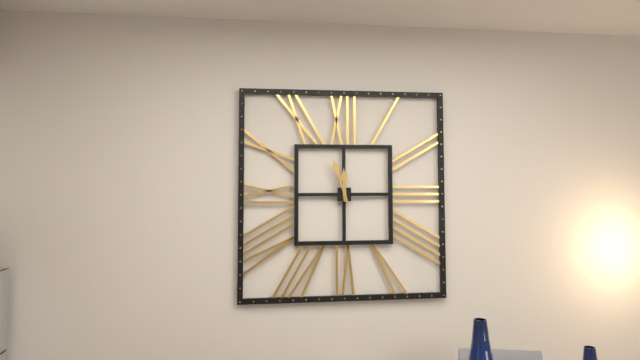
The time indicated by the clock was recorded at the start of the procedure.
11:57
